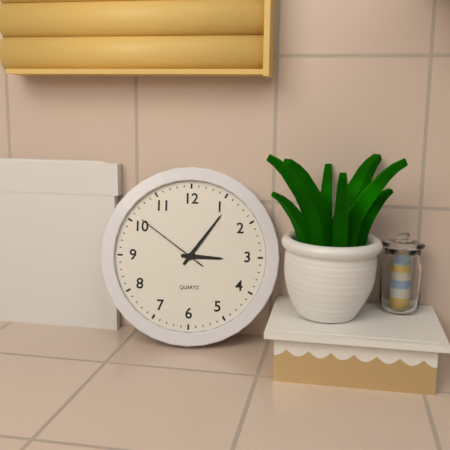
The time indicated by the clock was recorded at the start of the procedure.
3:06:51
